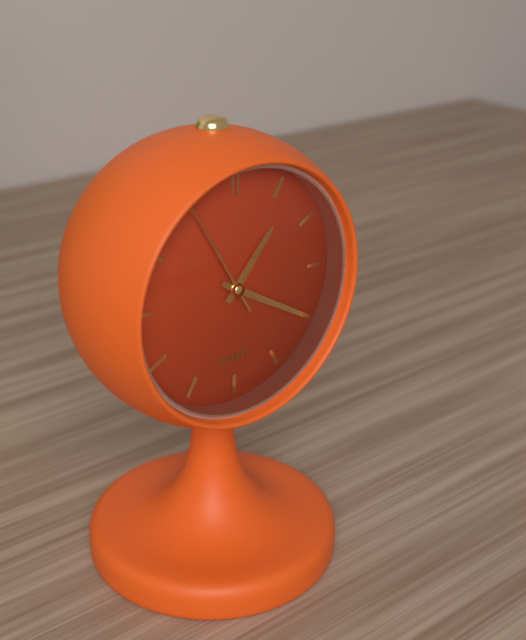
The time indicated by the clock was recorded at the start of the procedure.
1:20:55
